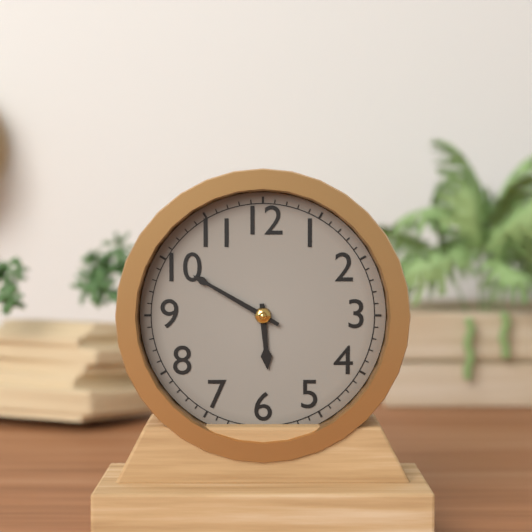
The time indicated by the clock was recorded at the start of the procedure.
5:50
